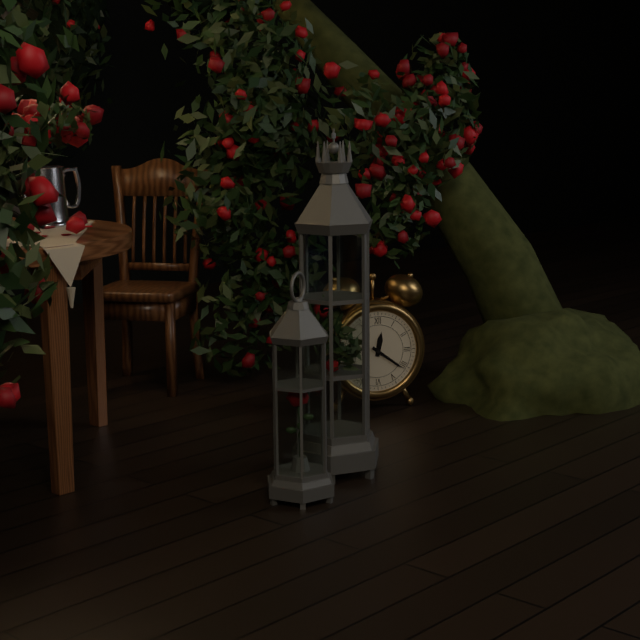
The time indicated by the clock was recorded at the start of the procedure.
12:21
